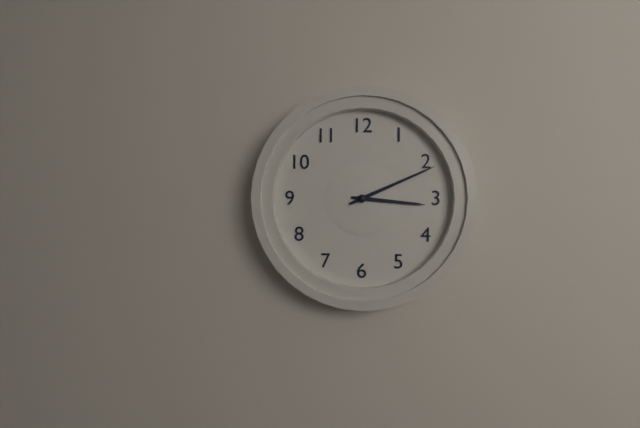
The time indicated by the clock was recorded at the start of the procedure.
3:11
